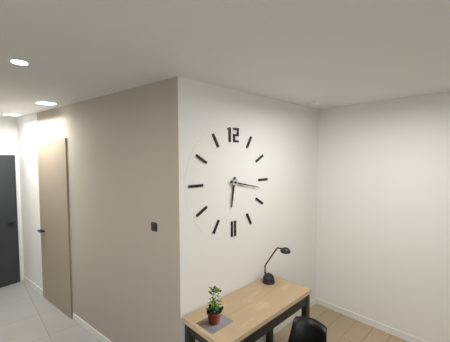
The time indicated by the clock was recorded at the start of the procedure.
6:17
